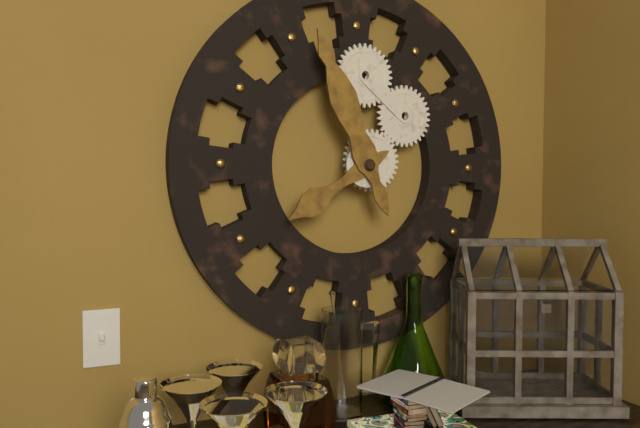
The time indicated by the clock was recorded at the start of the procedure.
7:56
